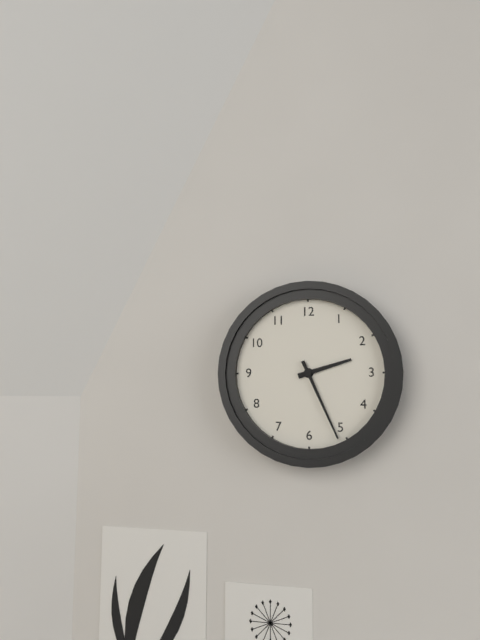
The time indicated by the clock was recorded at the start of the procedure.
2:26
